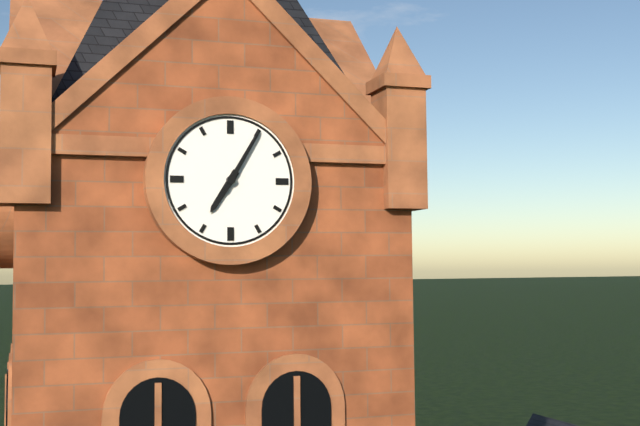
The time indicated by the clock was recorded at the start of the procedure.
7:05
